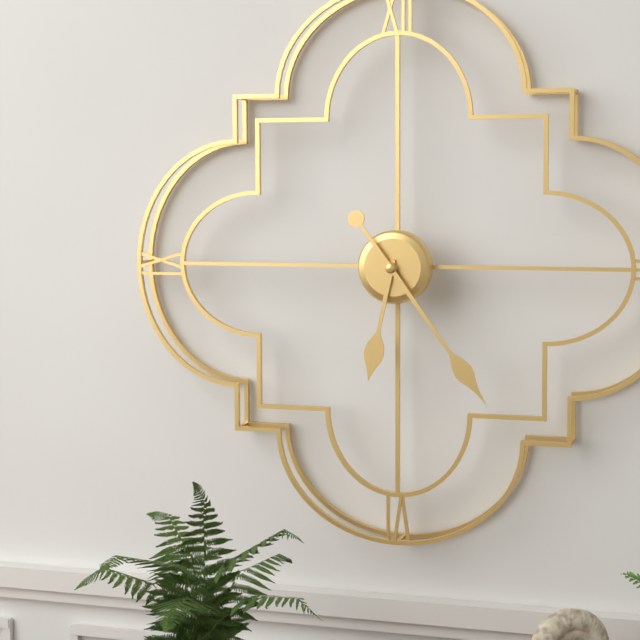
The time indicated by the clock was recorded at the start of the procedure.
6:24
